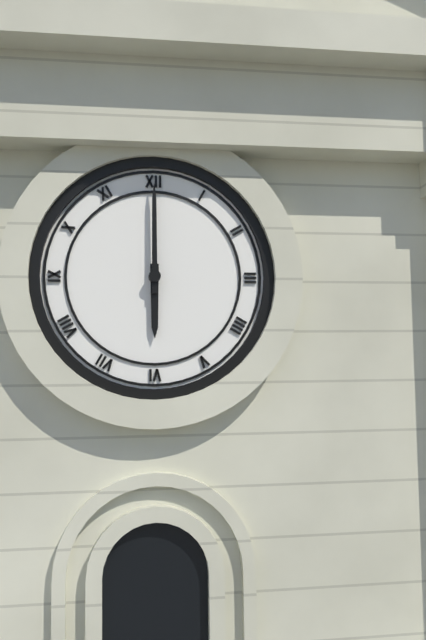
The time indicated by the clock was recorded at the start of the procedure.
6:00
